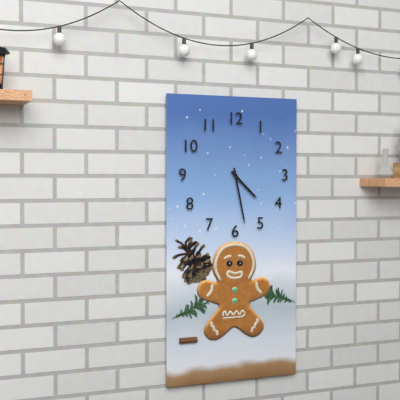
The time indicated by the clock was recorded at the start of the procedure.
4:28
